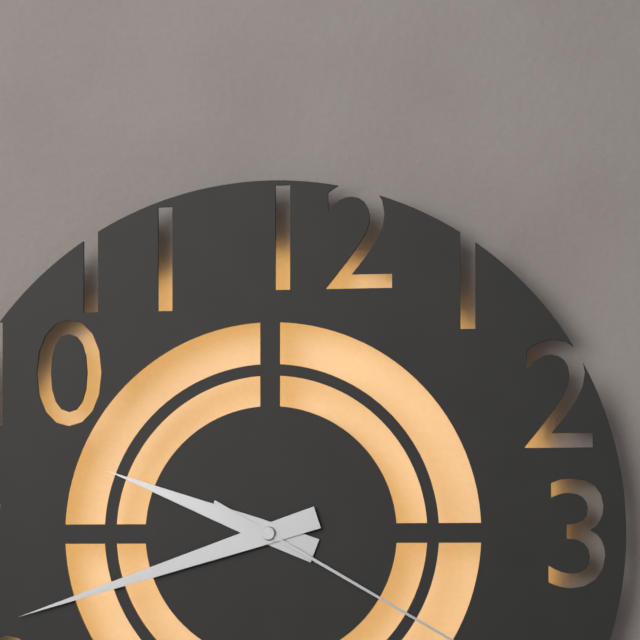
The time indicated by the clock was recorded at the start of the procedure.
9:42
